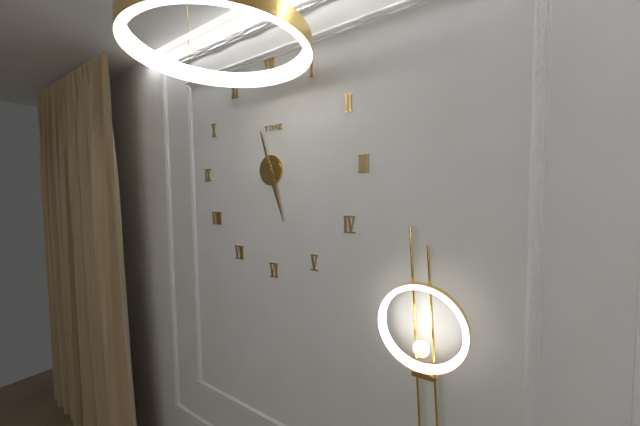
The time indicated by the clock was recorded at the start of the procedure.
11:27
